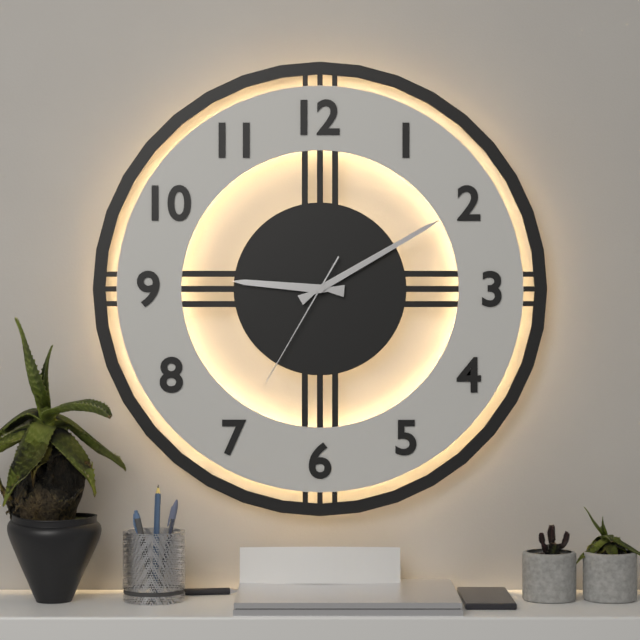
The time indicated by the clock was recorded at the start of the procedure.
9:10:35
